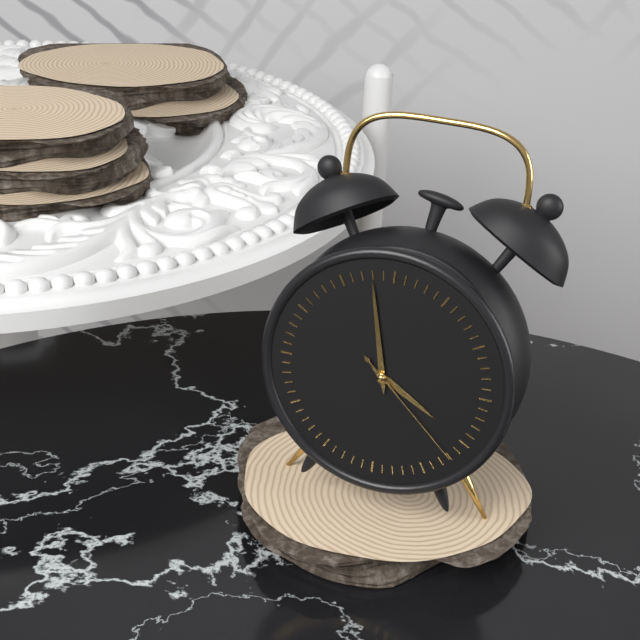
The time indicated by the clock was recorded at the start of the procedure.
3:58:22
